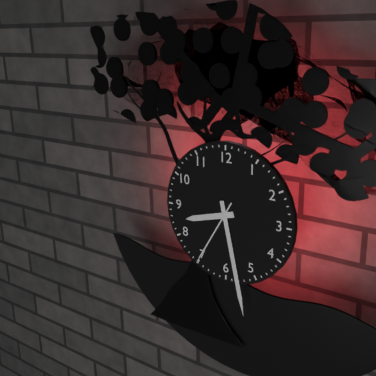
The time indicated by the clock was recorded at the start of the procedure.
8:28:35
